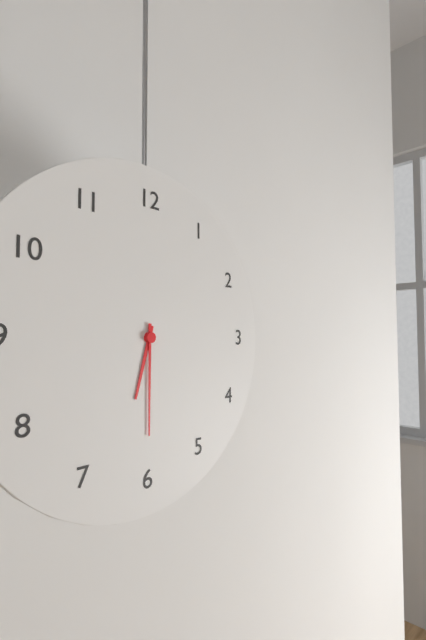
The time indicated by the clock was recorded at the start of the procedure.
6:30
